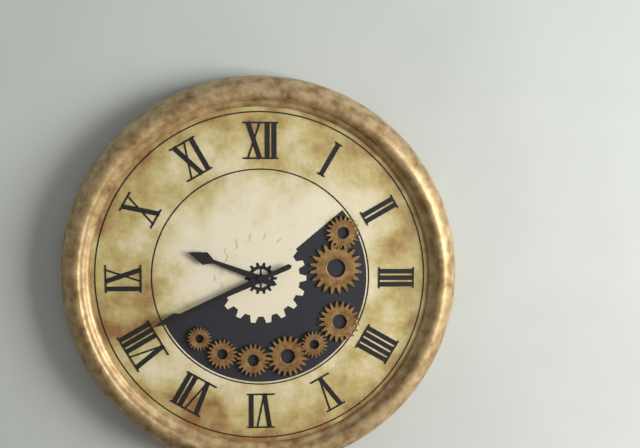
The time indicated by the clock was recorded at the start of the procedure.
9:41
